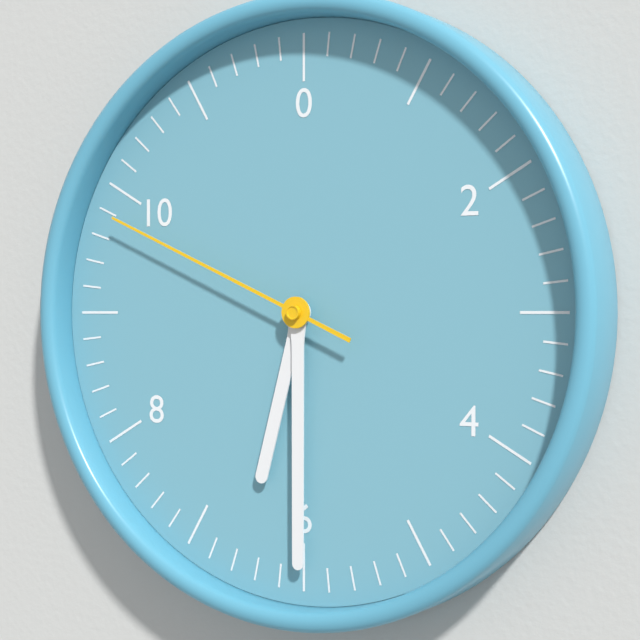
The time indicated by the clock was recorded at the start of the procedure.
6:30:49
